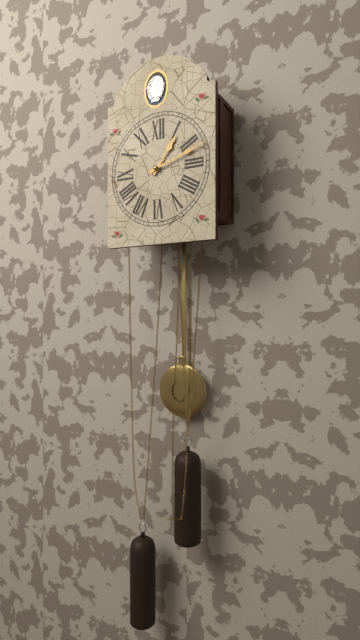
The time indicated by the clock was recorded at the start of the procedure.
1:12
